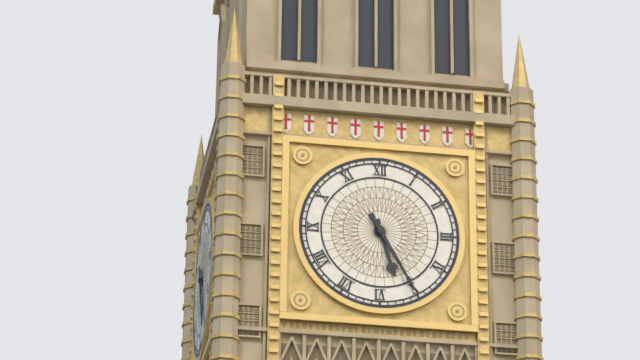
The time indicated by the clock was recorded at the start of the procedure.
5:25
